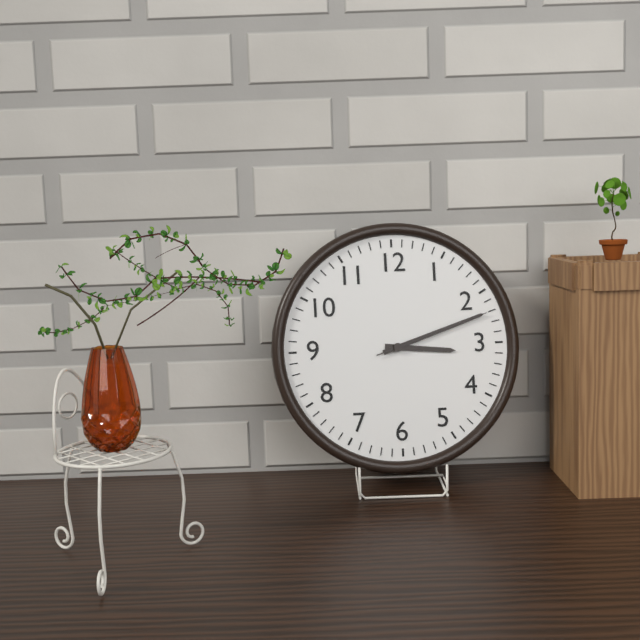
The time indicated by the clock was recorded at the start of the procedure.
3:12:12
